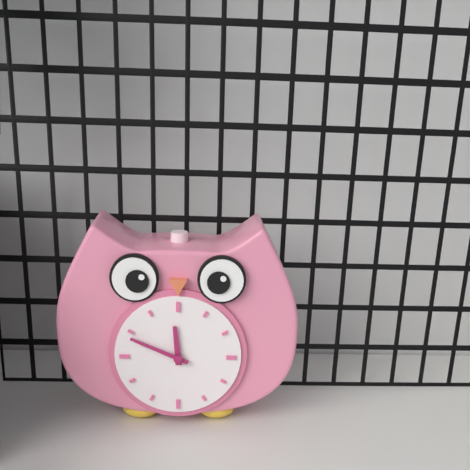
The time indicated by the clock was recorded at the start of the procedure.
11:49
